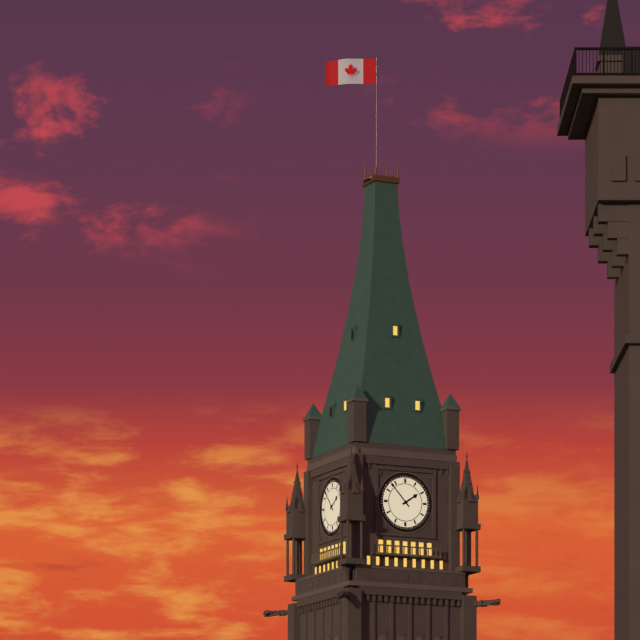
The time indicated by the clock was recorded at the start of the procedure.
1:53
